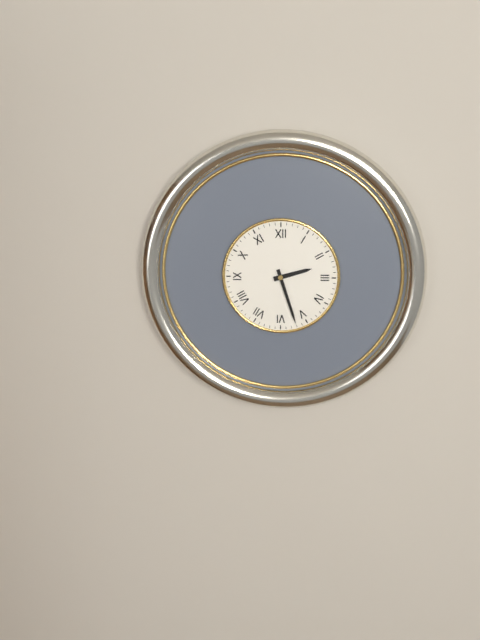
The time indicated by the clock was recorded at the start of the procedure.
2:27
